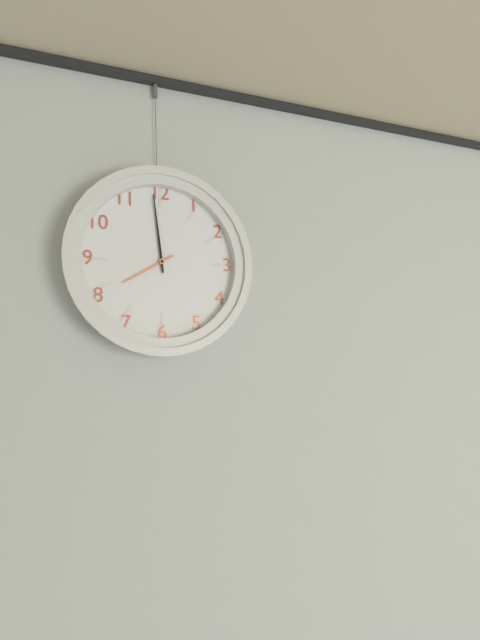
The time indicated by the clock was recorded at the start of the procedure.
7:59
